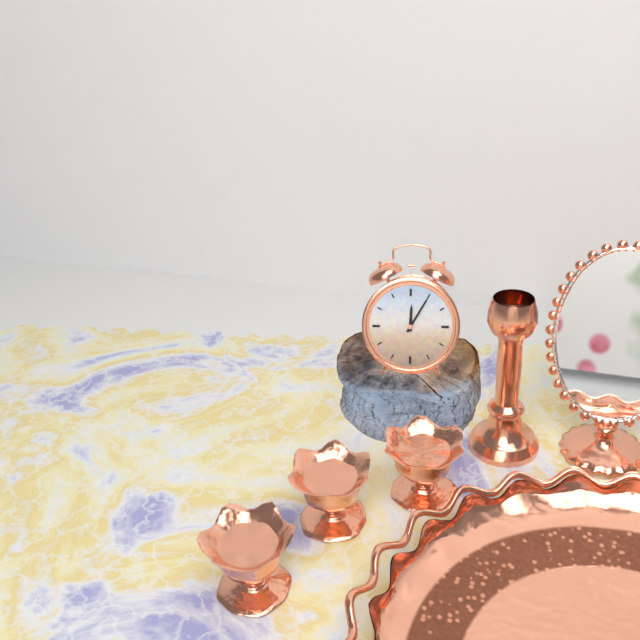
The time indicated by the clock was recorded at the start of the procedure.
12:05
